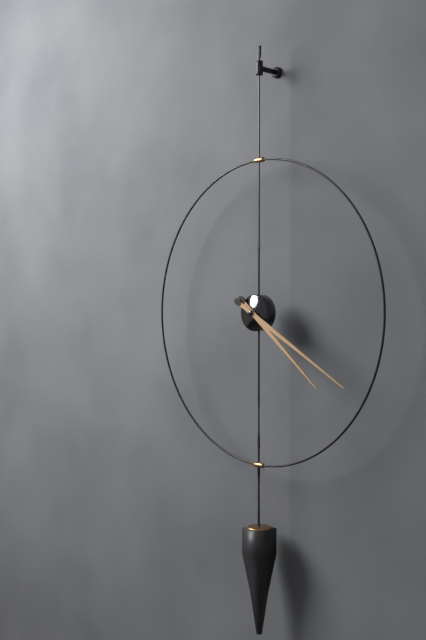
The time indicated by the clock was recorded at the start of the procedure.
4:20
